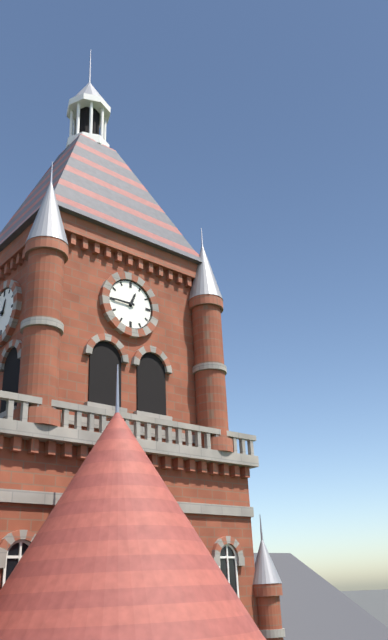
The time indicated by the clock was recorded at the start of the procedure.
12:45
